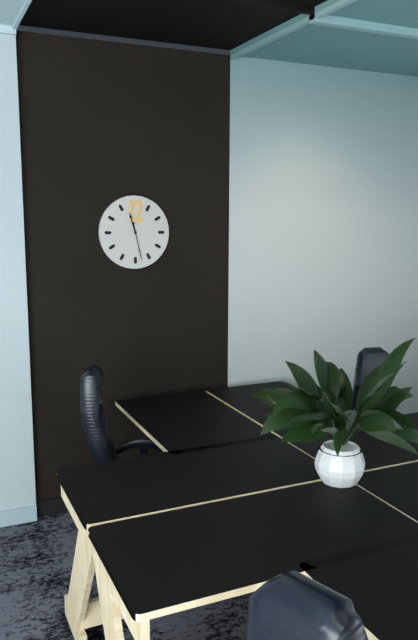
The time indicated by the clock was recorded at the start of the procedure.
11:28
